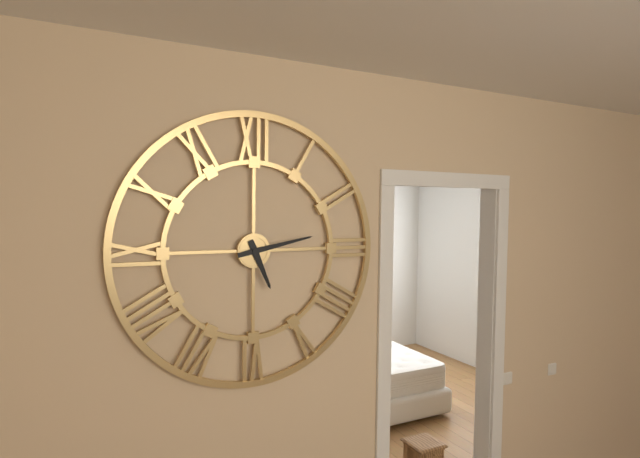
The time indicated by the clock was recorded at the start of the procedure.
5:13
